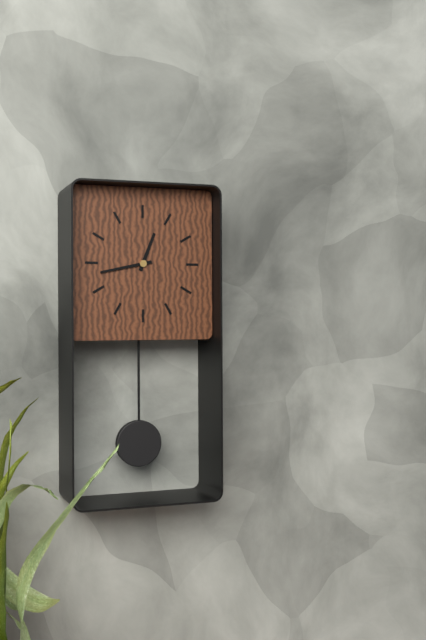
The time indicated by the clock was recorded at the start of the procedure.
12:43
